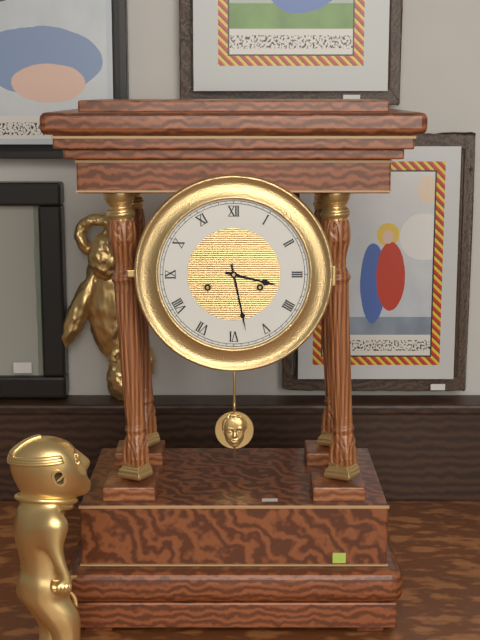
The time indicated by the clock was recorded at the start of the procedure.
3:28
